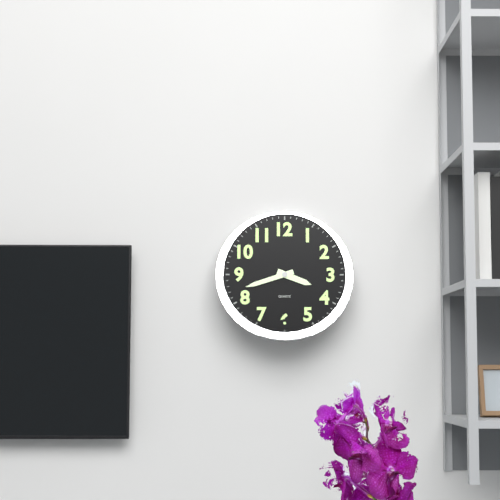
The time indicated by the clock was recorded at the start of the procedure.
3:42
